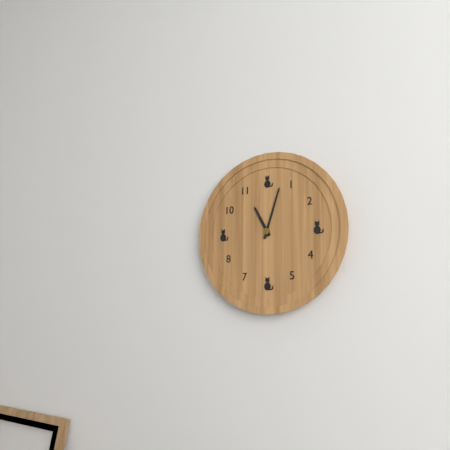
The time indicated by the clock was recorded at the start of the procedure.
11:03
